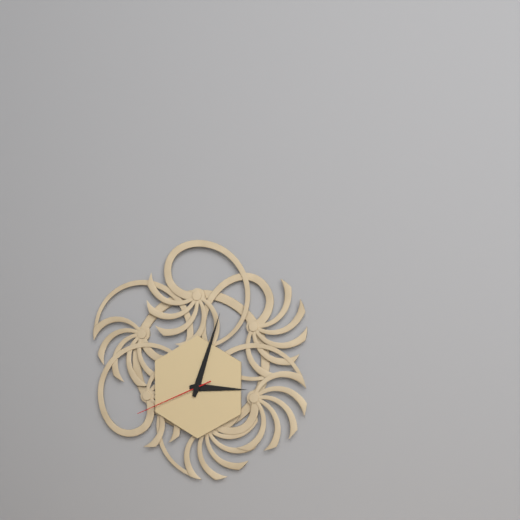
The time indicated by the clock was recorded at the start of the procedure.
3:03:41
